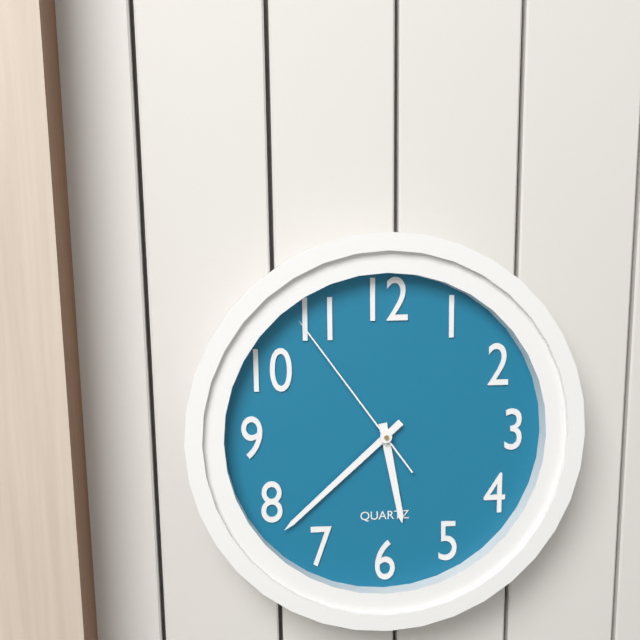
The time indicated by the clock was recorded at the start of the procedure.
5:38:54
